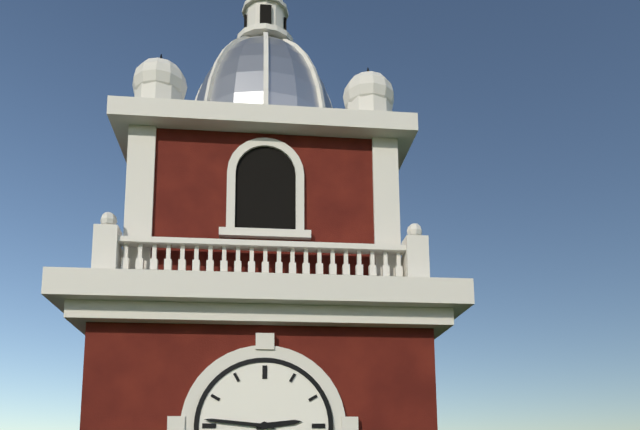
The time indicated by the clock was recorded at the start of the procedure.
2:46
